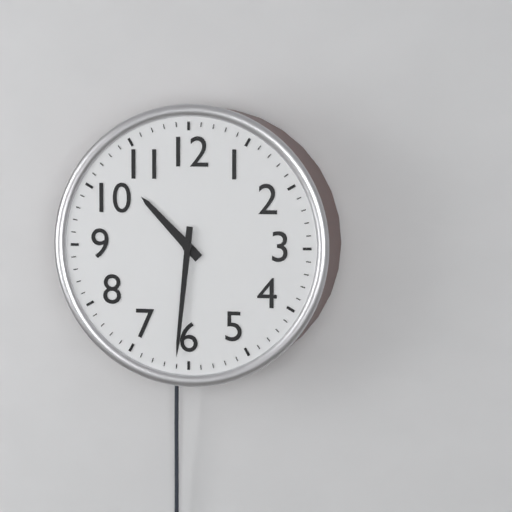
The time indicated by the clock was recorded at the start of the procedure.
10:31
